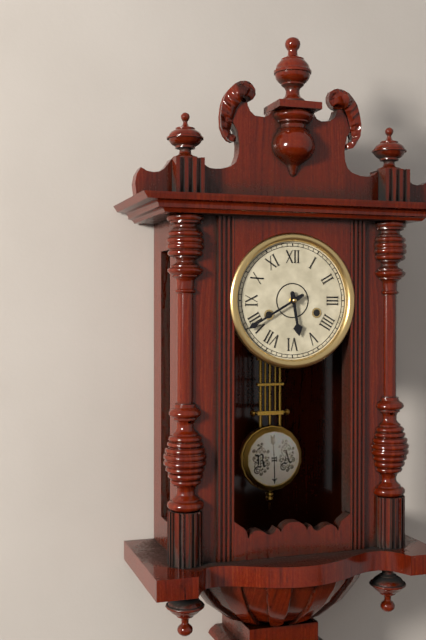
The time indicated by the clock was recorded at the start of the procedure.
5:40
